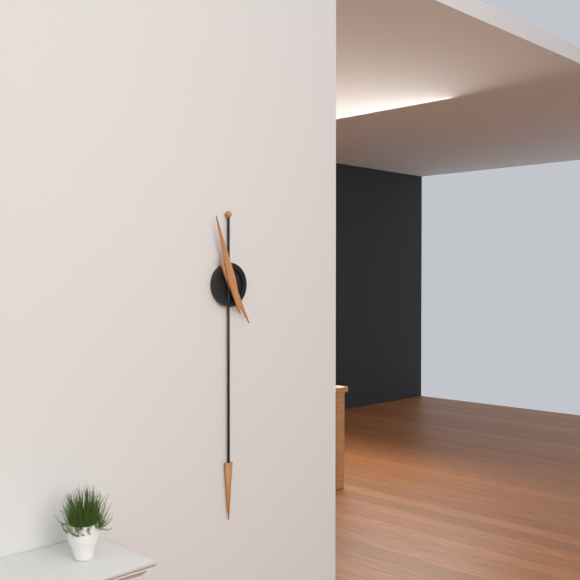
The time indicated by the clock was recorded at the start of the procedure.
4:57
